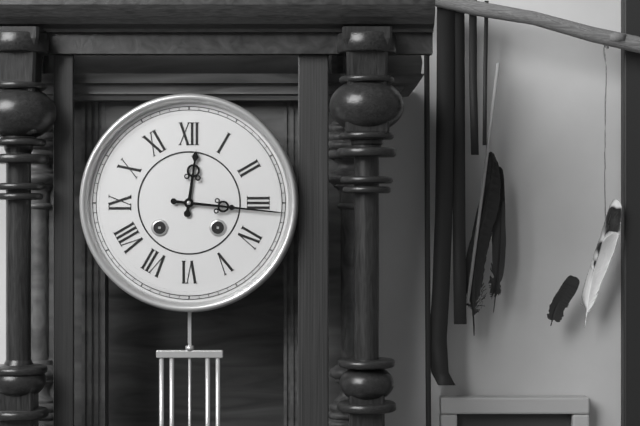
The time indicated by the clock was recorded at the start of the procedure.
12:16
